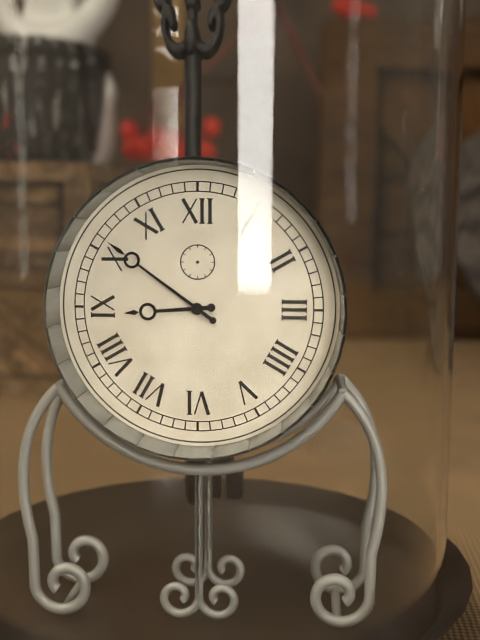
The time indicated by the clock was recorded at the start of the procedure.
8:51
